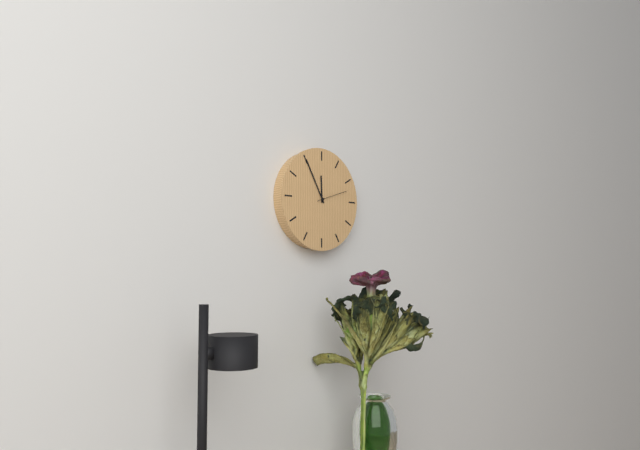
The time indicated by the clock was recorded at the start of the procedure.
11:55
